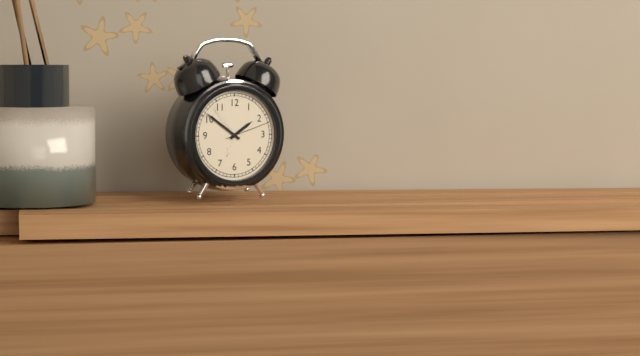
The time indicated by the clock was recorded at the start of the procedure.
1:51
